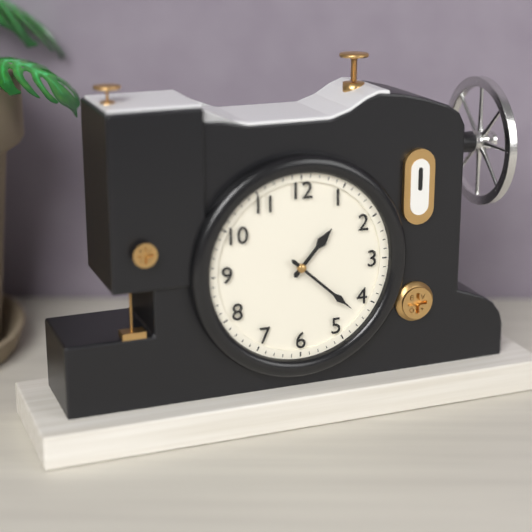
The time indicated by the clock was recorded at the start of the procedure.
1:22
